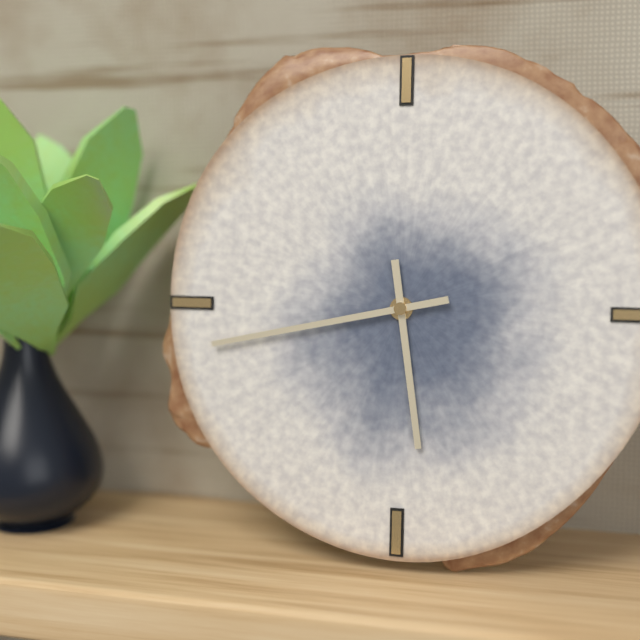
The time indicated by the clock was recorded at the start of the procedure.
5:43
